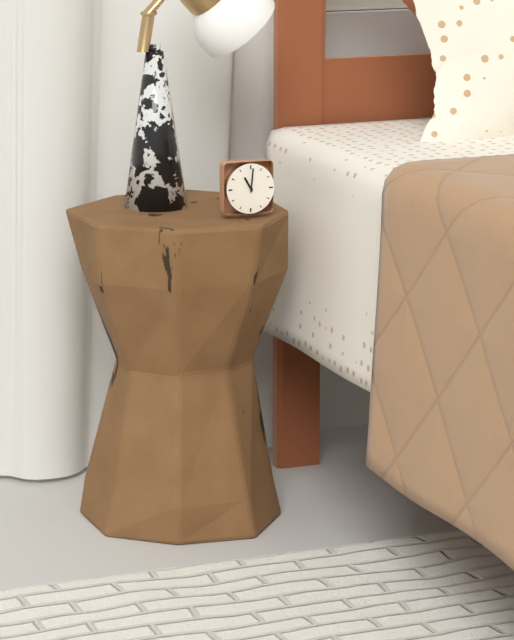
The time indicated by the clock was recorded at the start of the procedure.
11:01
